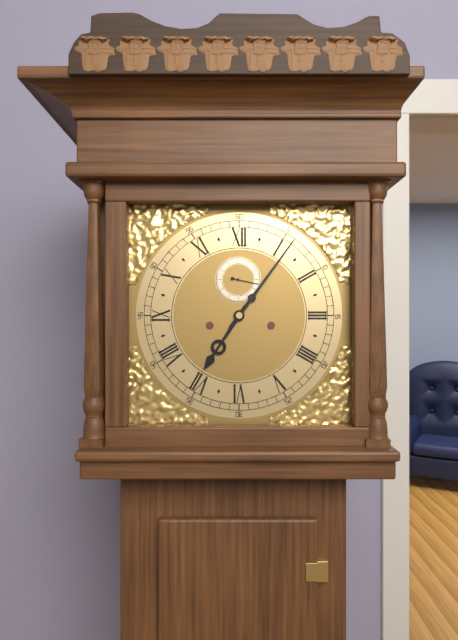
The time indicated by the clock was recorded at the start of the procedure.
7:06
